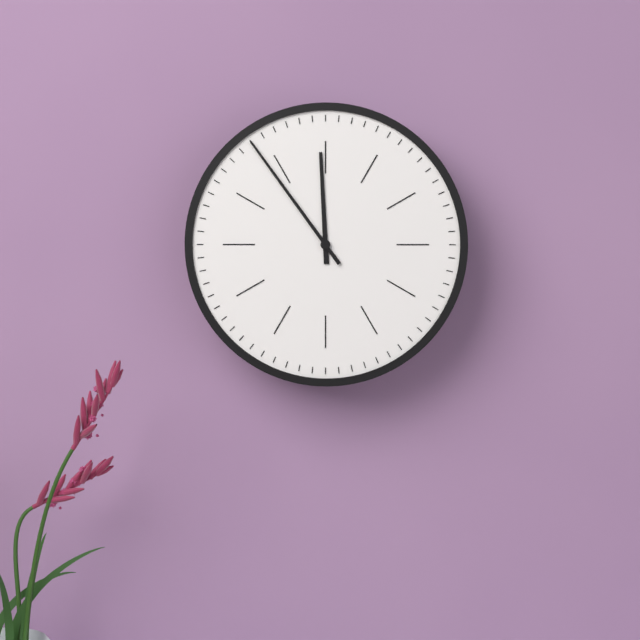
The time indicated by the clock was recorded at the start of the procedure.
11:54
